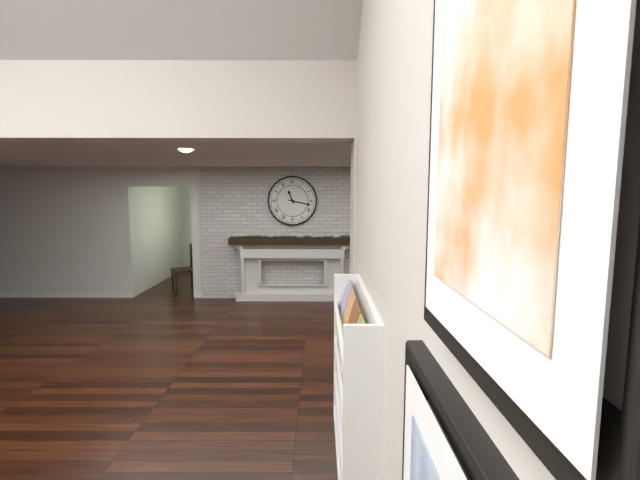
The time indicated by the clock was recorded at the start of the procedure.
11:17
